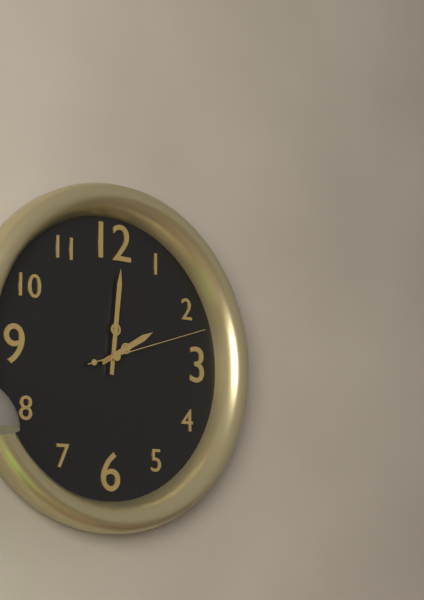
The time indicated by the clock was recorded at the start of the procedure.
2:01:12
